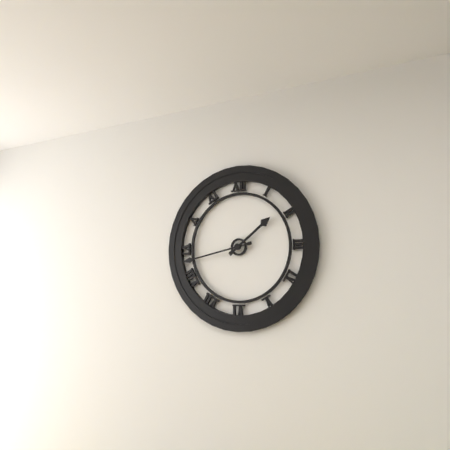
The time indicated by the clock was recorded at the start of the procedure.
1:43
